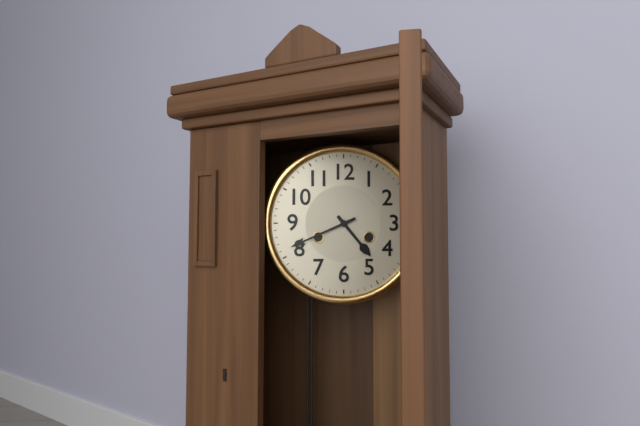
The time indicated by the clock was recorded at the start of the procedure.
4:41
